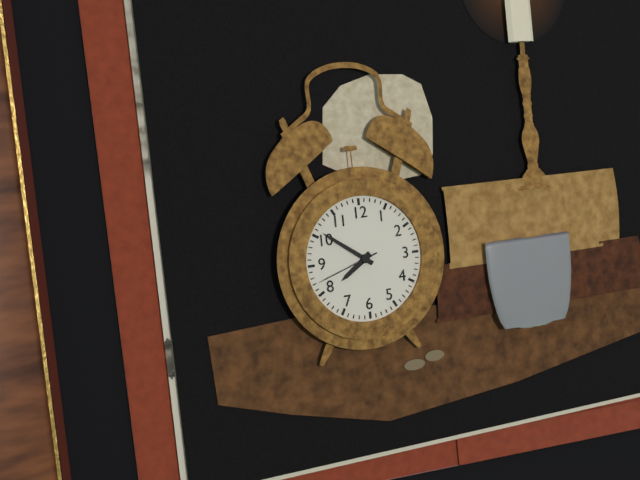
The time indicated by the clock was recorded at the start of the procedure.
7:51:42
